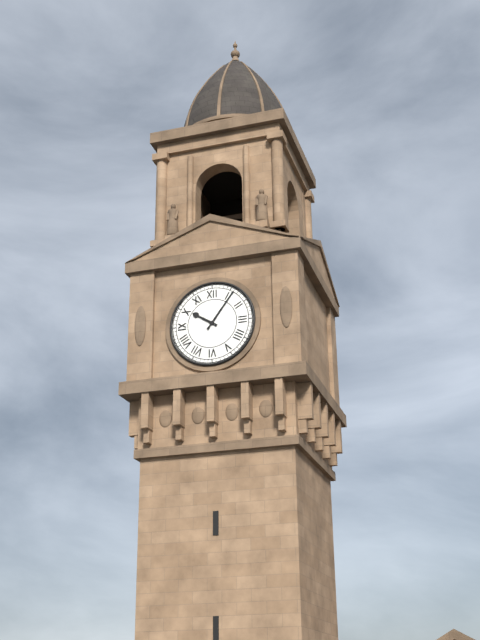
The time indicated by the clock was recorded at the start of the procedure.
10:06
